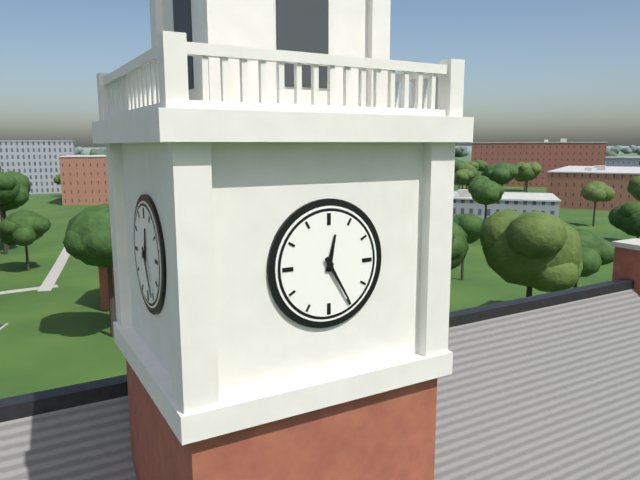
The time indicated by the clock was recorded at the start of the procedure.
12:25
